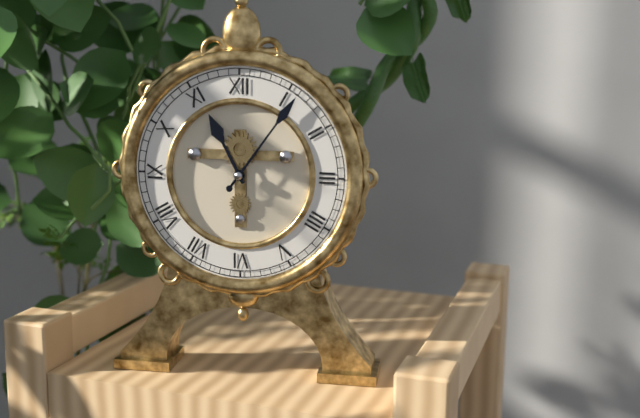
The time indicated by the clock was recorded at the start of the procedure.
11:06
